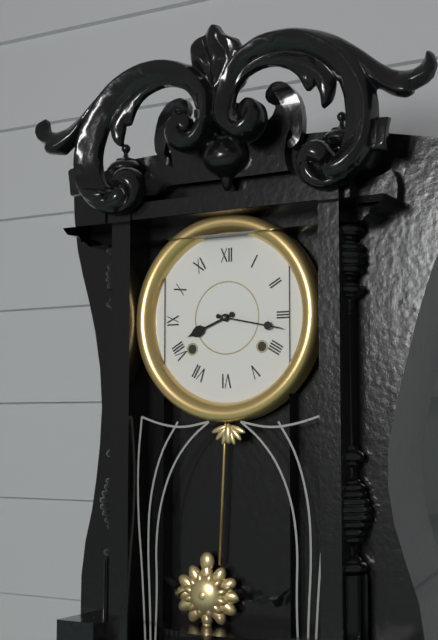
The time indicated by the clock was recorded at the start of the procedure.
8:17
